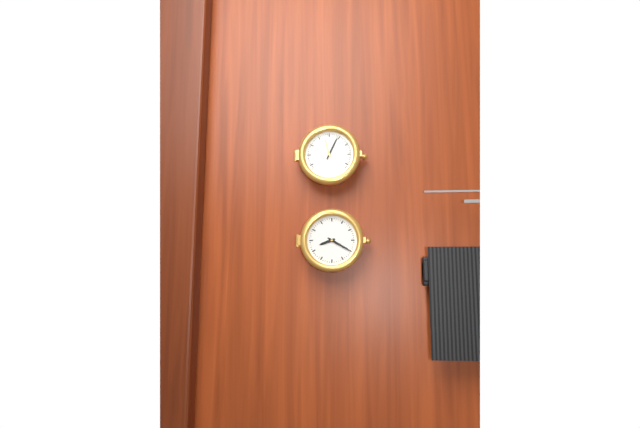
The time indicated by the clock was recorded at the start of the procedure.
8:20
